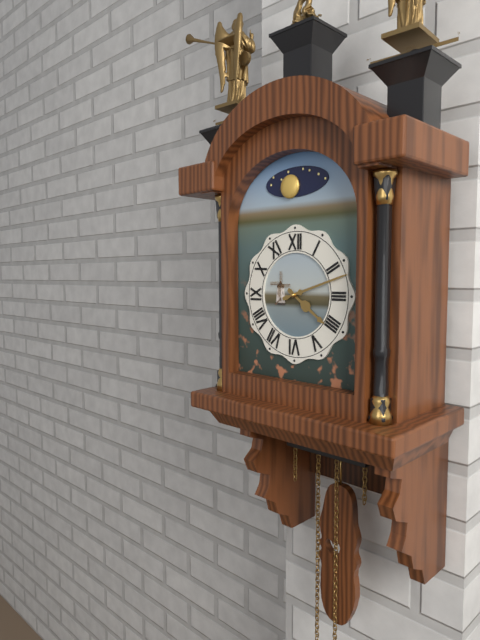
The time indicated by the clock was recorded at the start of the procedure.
4:12
